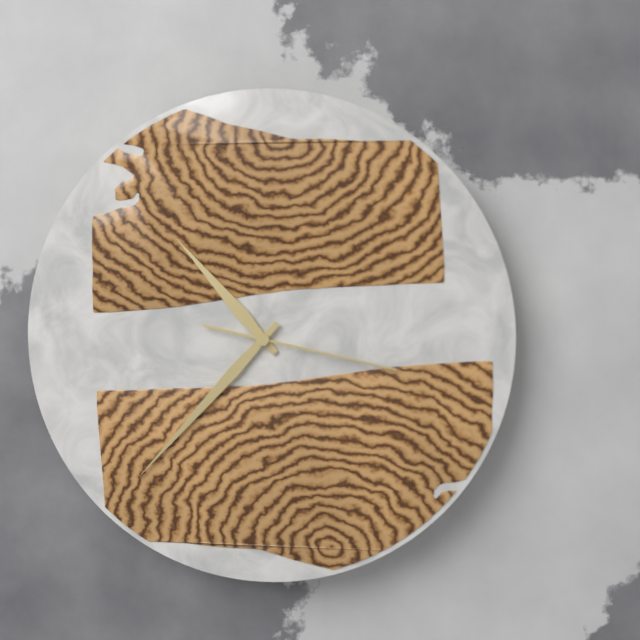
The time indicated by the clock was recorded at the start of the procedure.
10:37:17
